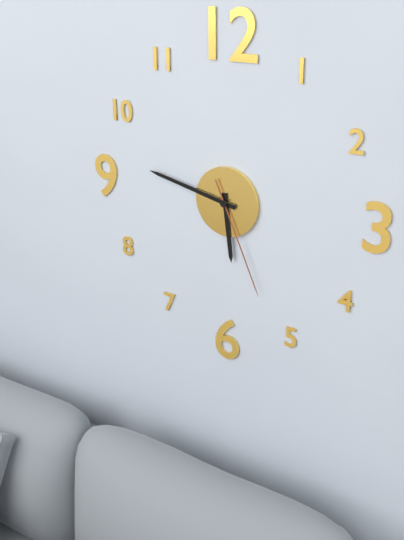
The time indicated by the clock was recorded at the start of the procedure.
5:47:26
